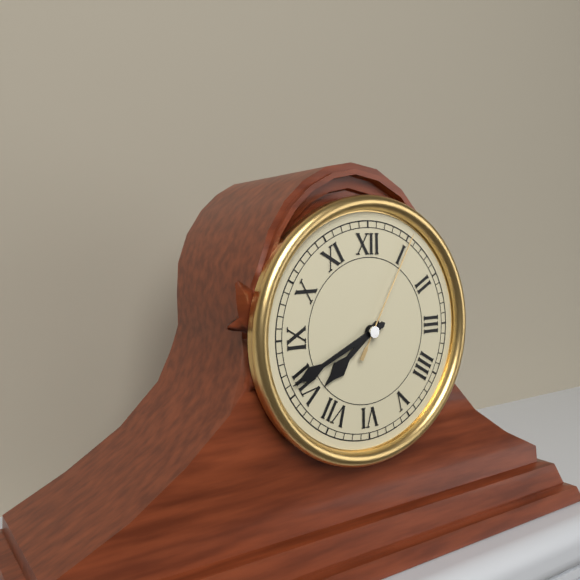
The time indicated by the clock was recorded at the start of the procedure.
7:41:05
